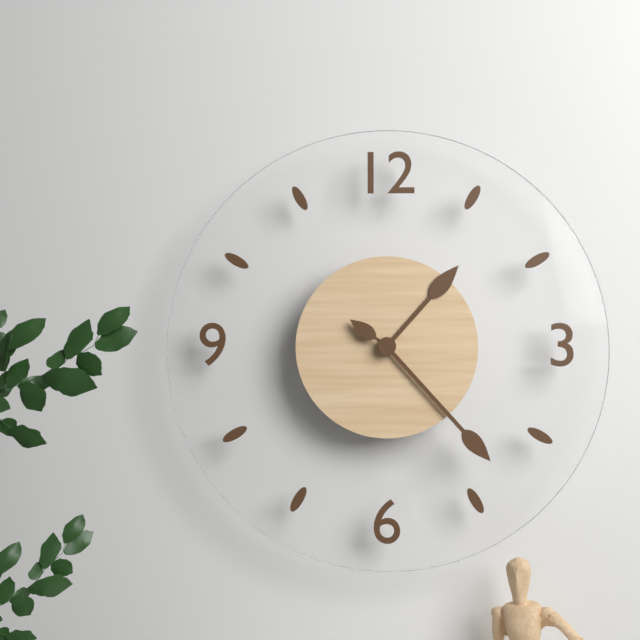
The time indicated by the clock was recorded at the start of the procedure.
1:23:51
